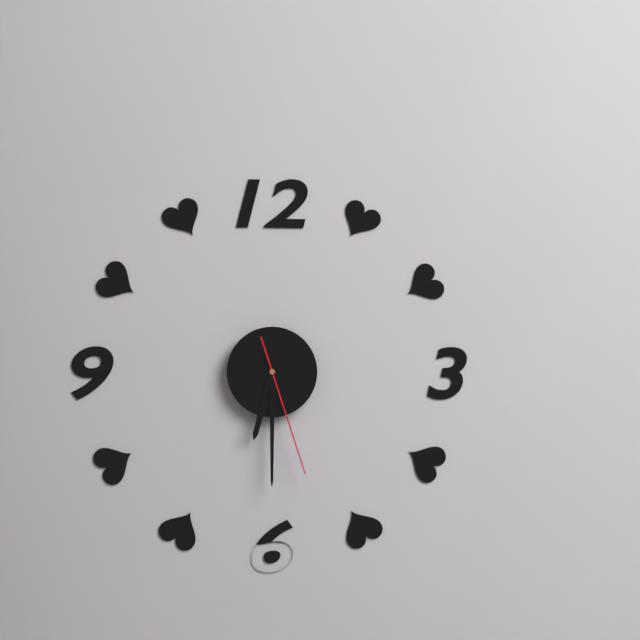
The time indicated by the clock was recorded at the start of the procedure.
6:30:27
